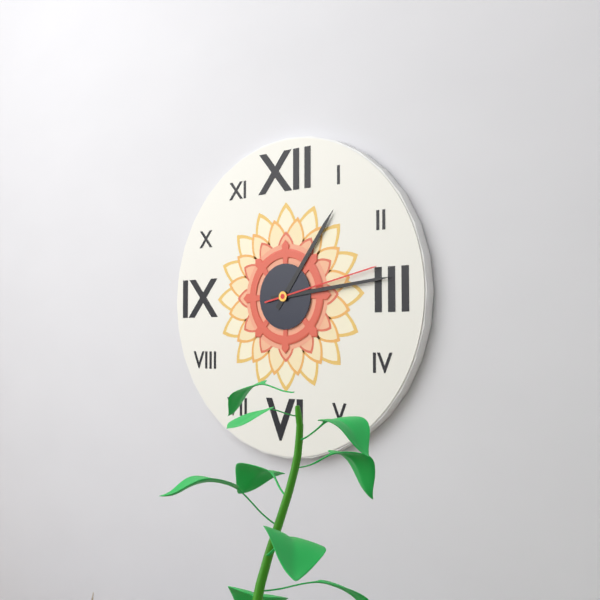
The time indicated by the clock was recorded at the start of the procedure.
1:14:13
